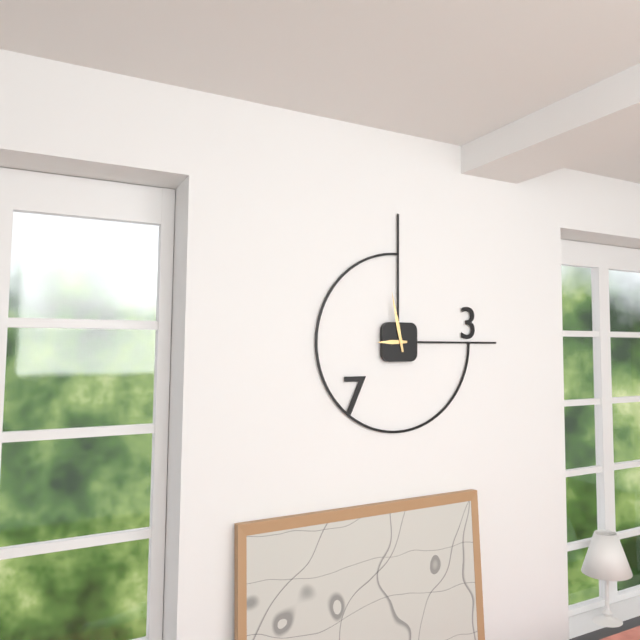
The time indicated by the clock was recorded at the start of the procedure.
8:58
